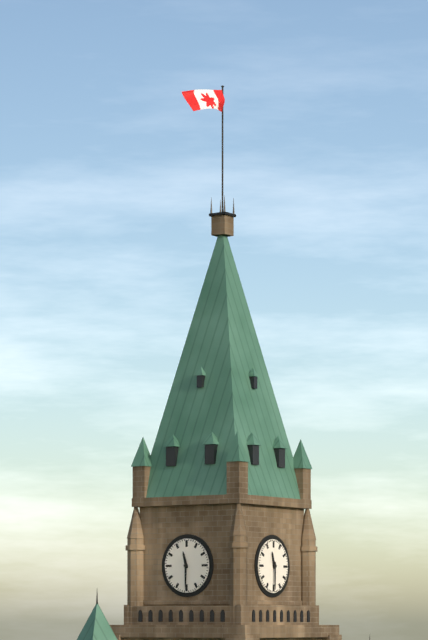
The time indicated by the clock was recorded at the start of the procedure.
11:30
